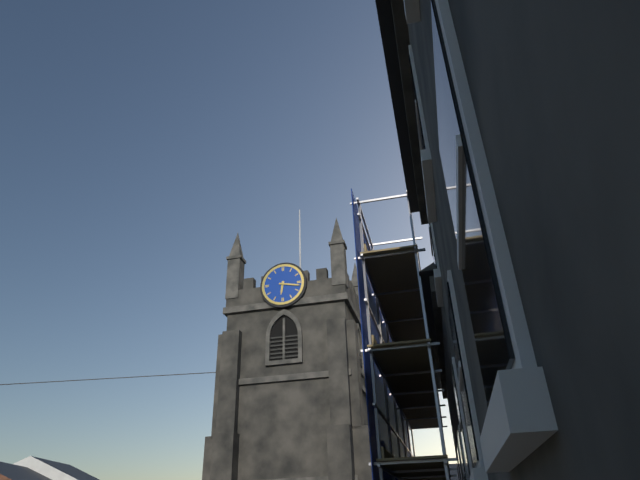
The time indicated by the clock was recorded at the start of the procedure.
6:17
